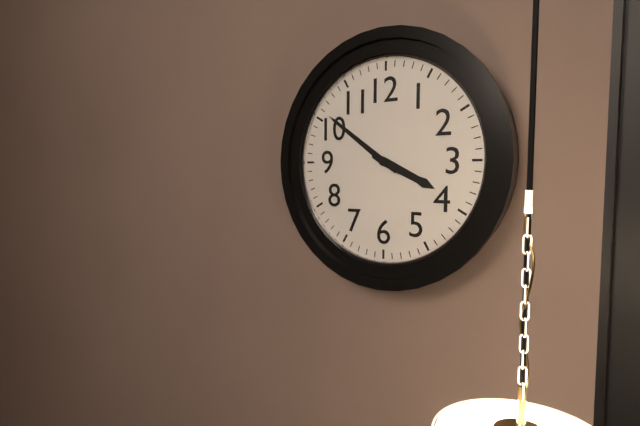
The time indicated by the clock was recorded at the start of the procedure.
3:51
